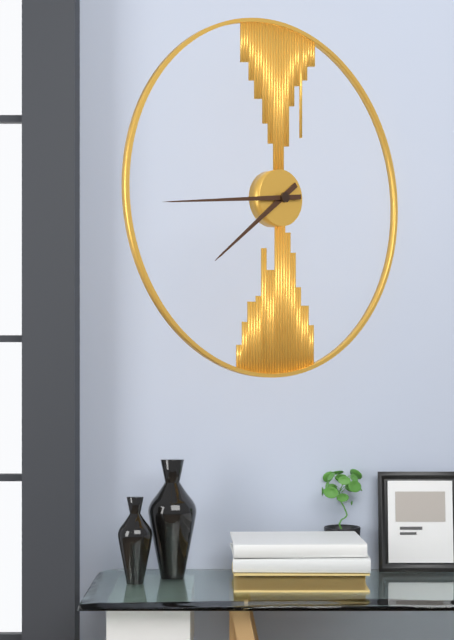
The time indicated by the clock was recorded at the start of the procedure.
7:44
